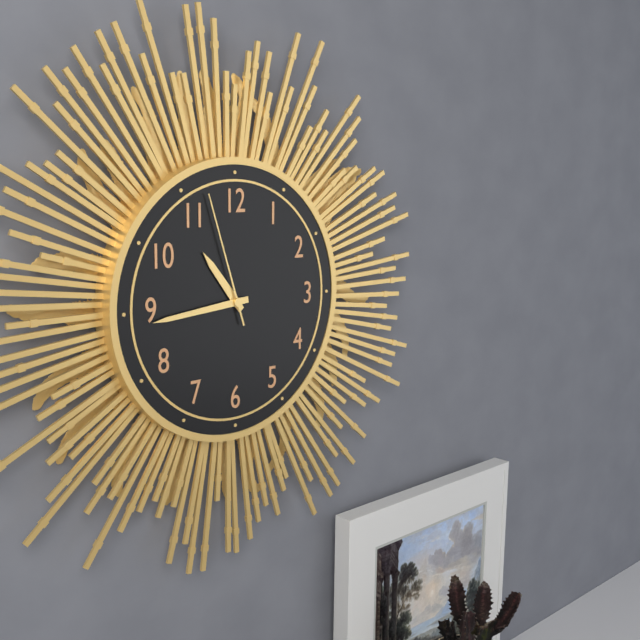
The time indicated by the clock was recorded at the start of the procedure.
10:44:57
